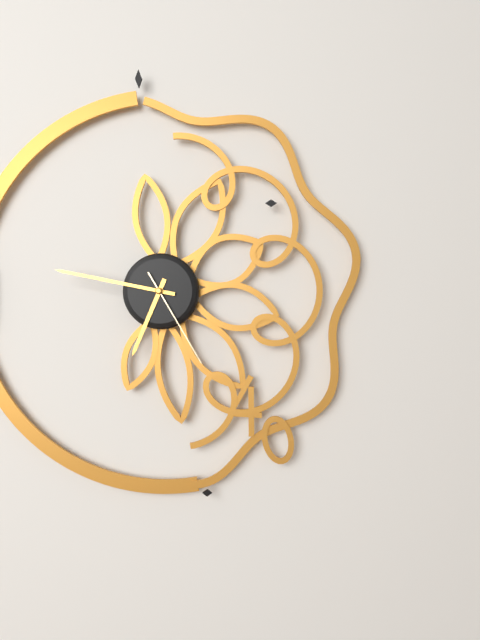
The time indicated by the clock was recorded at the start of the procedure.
6:47:25
